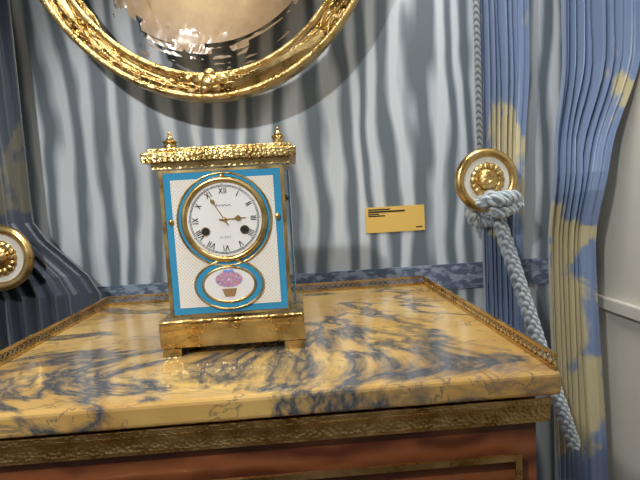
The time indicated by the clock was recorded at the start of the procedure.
2:55
